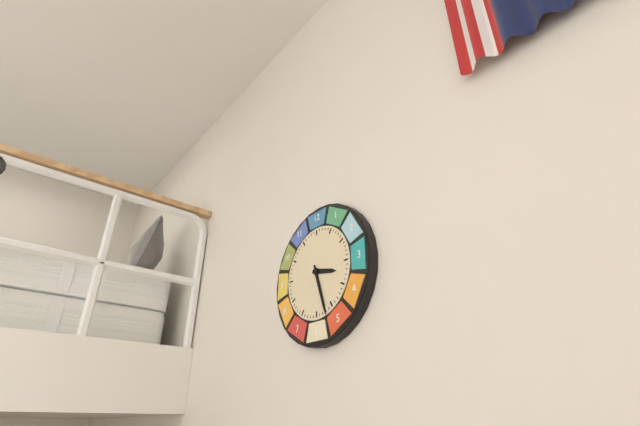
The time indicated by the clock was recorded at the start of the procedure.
3:27
